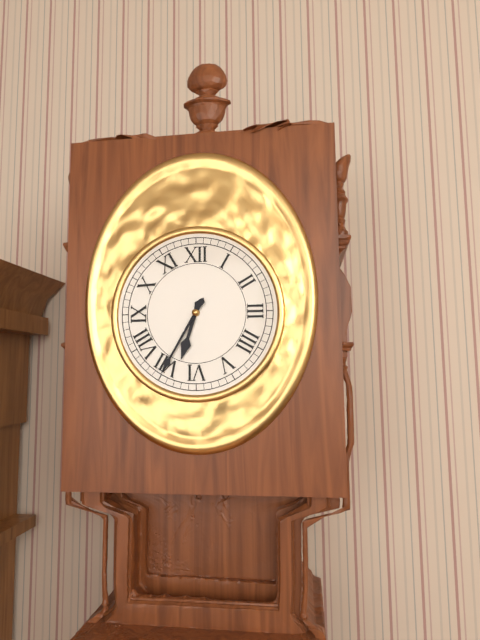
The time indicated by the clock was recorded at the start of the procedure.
6:35
